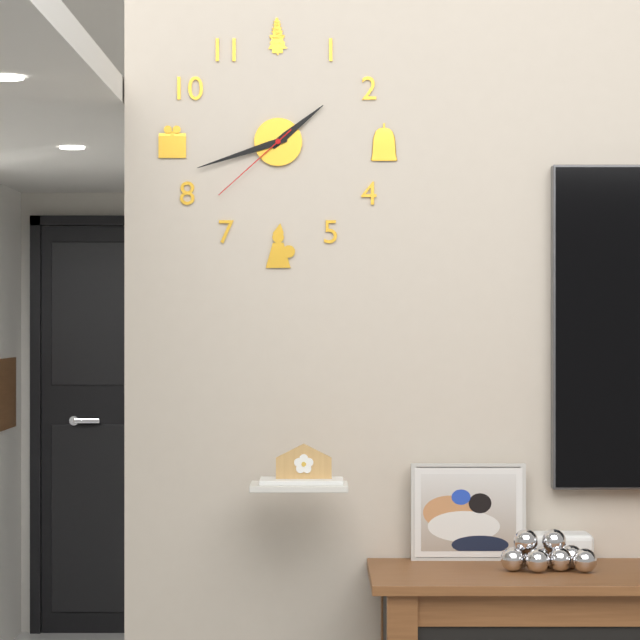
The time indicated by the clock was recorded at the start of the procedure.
1:42:38
